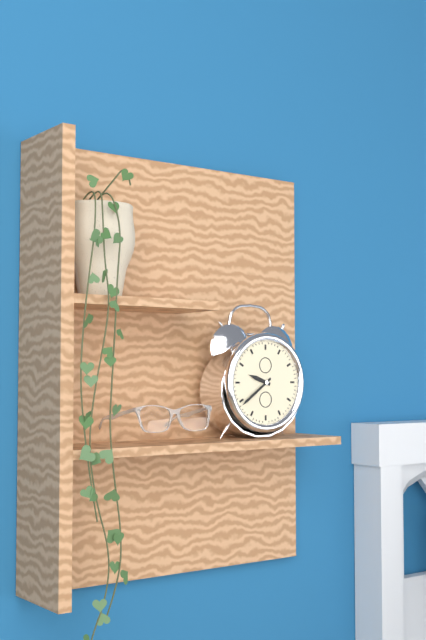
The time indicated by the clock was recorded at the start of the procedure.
9:39
